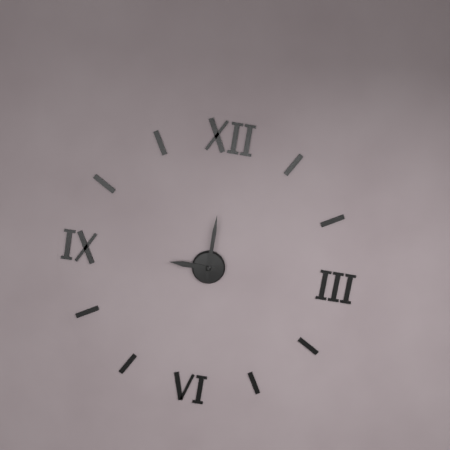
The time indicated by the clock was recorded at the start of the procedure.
9:00
